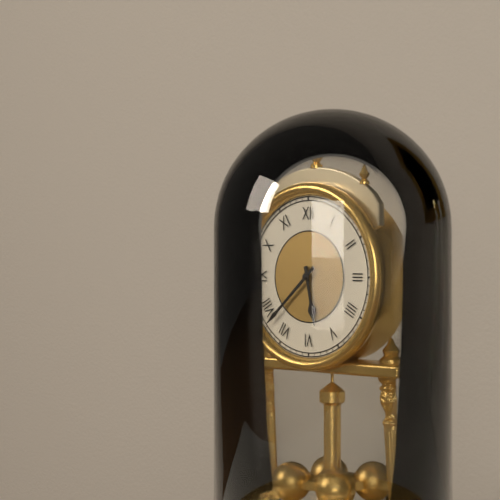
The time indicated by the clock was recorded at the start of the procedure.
5:38
